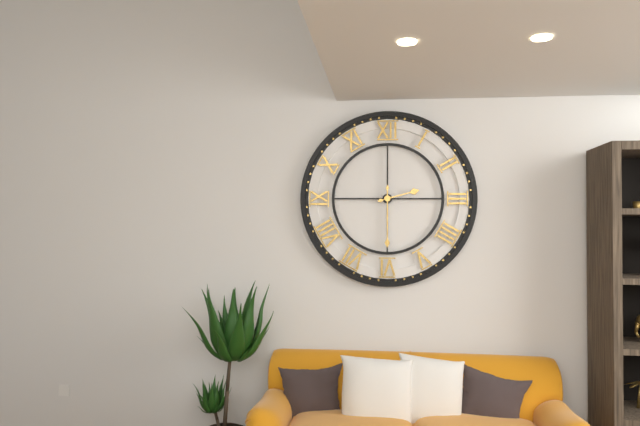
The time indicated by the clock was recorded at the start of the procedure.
2:30
